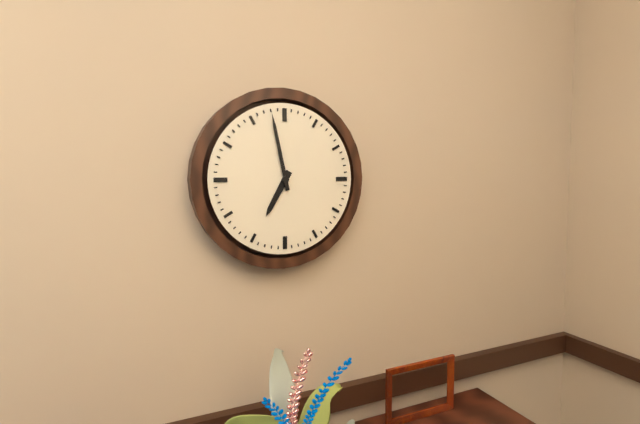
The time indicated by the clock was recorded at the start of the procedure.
6:58
